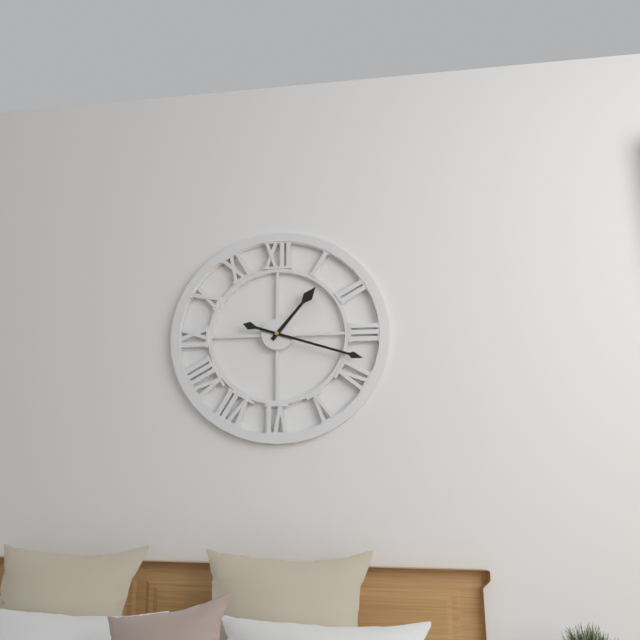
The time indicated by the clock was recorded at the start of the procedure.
1:18
